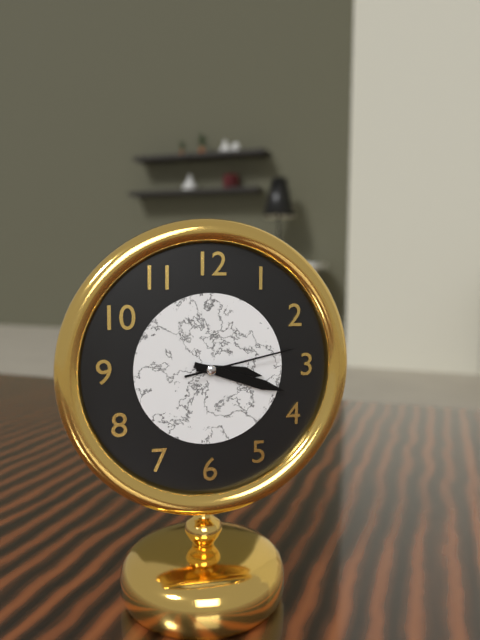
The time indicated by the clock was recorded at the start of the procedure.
3:18:13
